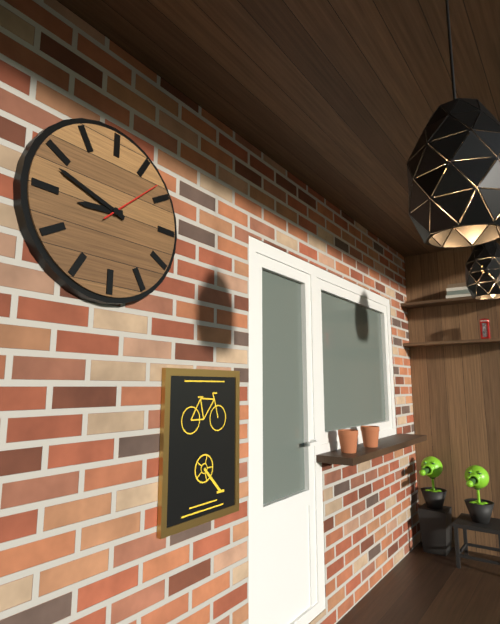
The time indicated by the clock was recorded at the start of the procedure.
8:48:08
